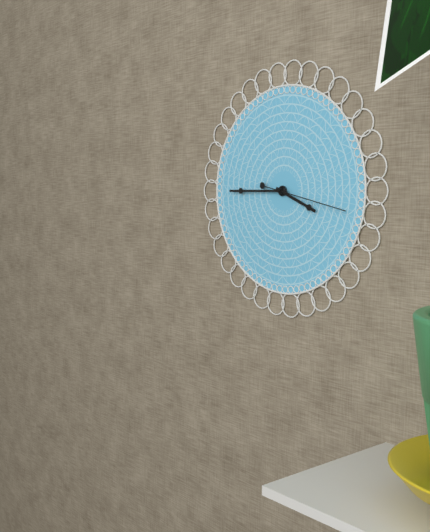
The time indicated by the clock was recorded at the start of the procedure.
3:45:17
